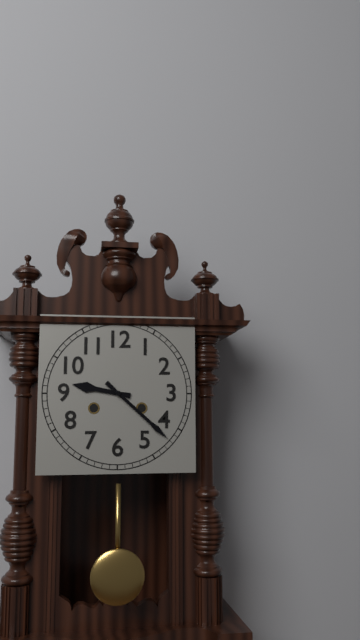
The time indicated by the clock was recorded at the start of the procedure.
9:22
